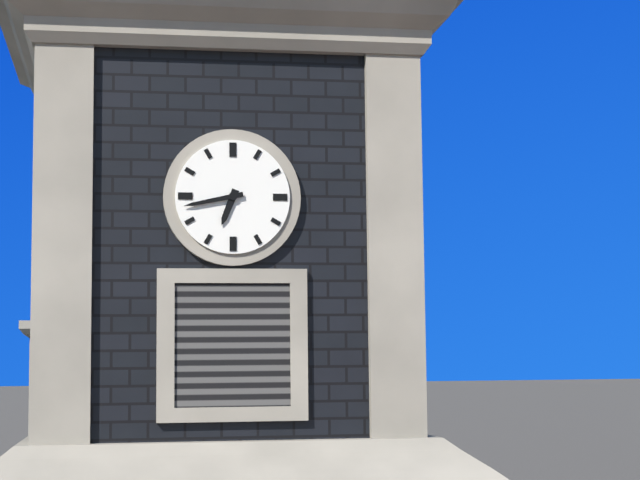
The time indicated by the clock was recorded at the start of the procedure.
6:43
